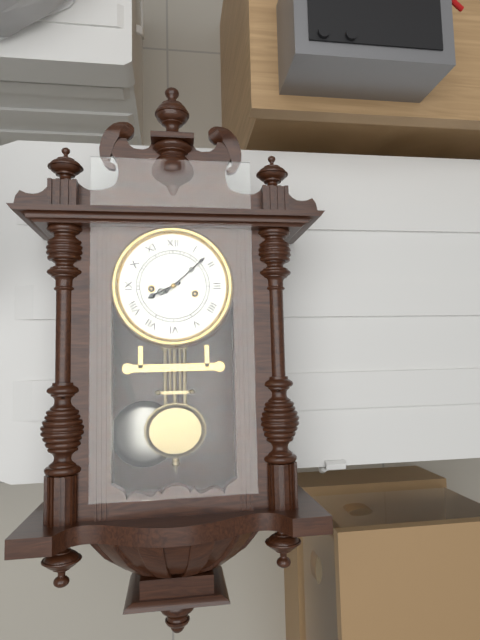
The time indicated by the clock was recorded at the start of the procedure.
8:08
